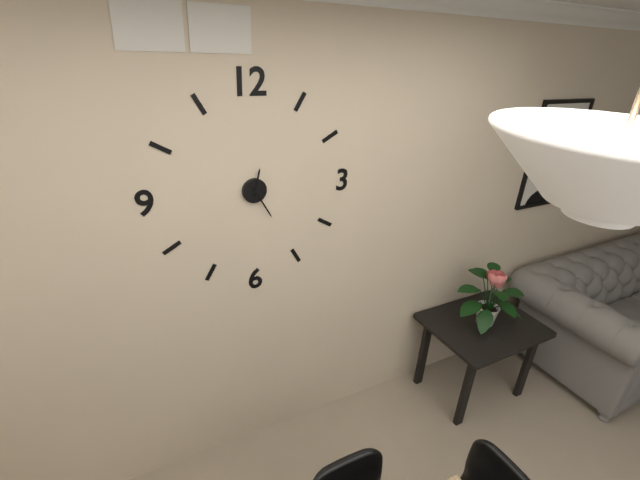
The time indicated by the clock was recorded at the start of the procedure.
12:25
